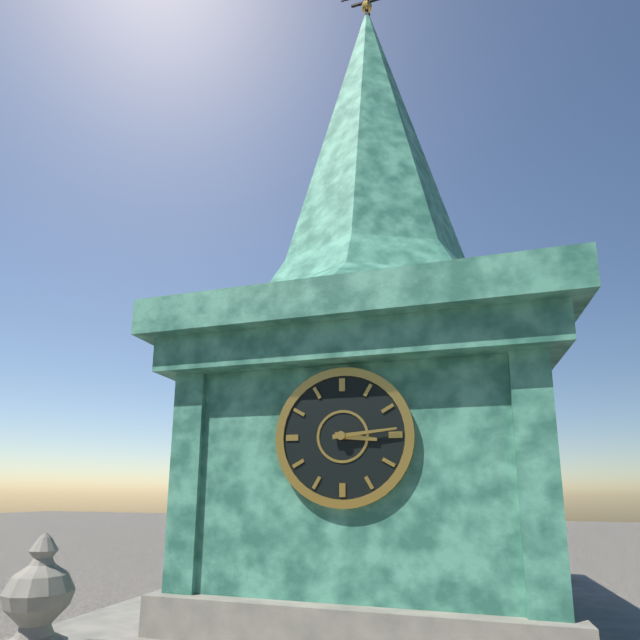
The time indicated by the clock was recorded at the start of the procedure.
3:14
